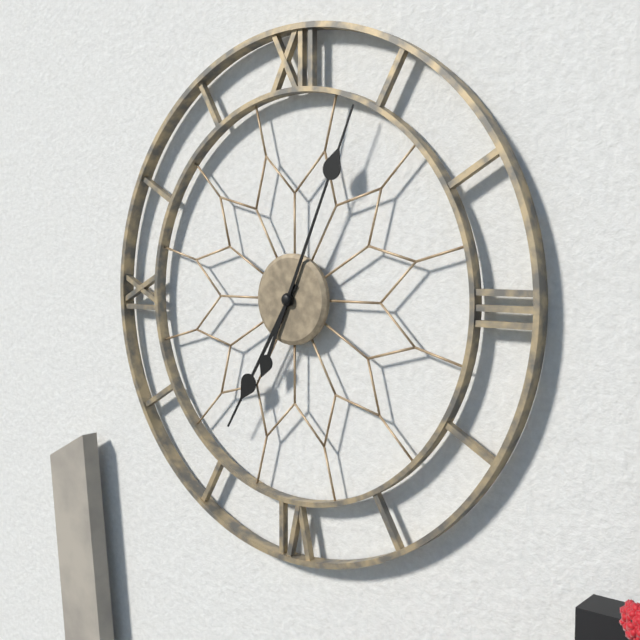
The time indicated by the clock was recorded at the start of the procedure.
7:04
